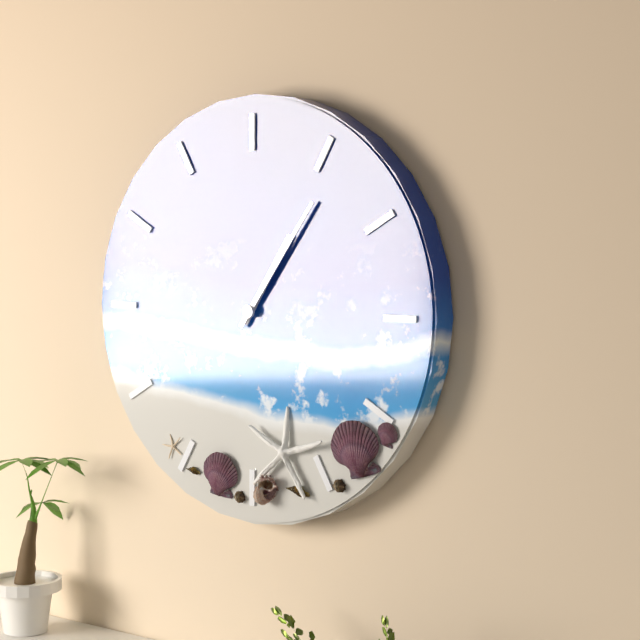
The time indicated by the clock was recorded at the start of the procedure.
1:06
